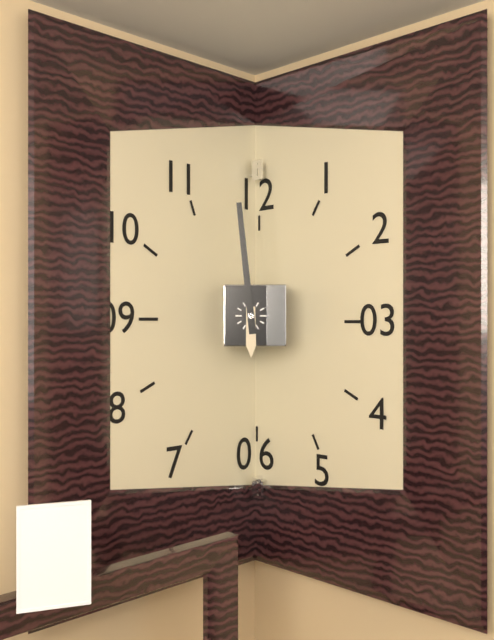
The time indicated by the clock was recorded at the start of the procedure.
5:59
